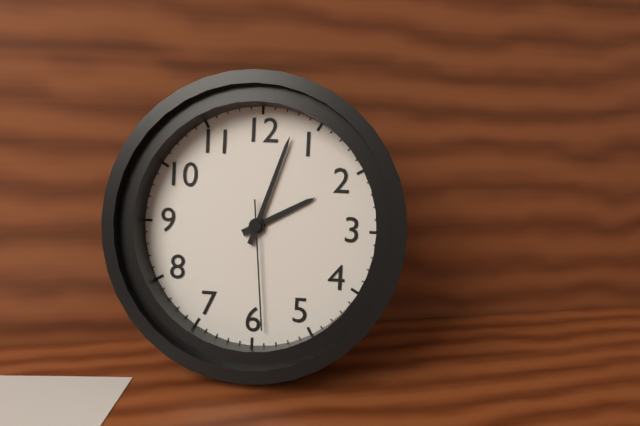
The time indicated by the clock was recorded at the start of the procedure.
2:03:29
